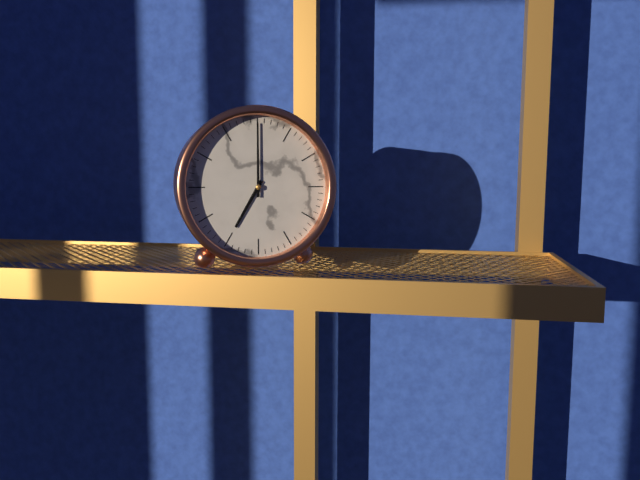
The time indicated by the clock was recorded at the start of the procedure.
7:00
